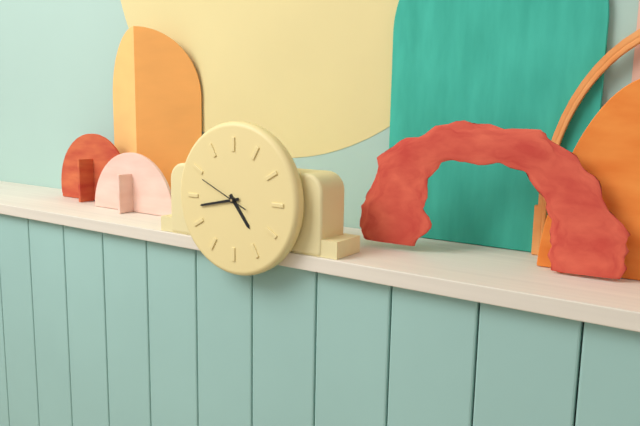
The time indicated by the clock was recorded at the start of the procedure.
4:43
